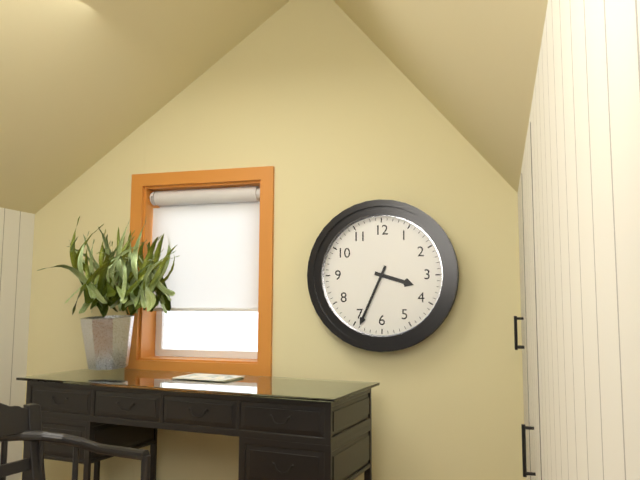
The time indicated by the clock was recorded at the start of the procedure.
3:34
